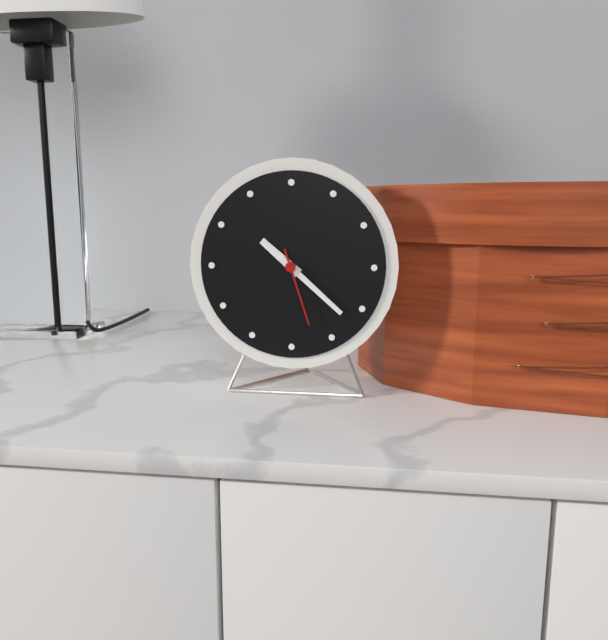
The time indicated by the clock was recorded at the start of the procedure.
10:22:27
